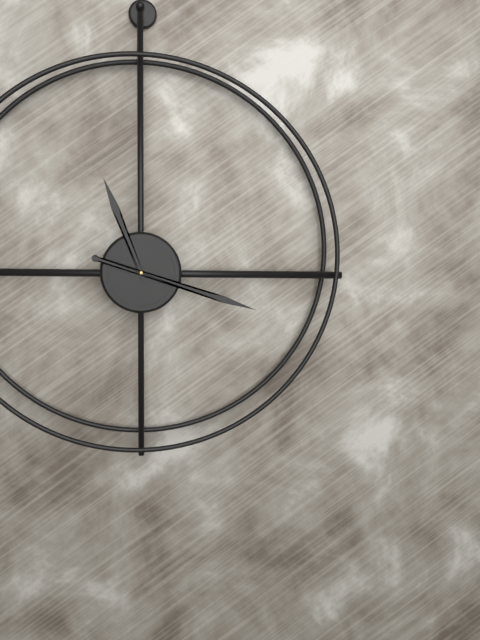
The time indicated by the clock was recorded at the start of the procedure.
11:18
